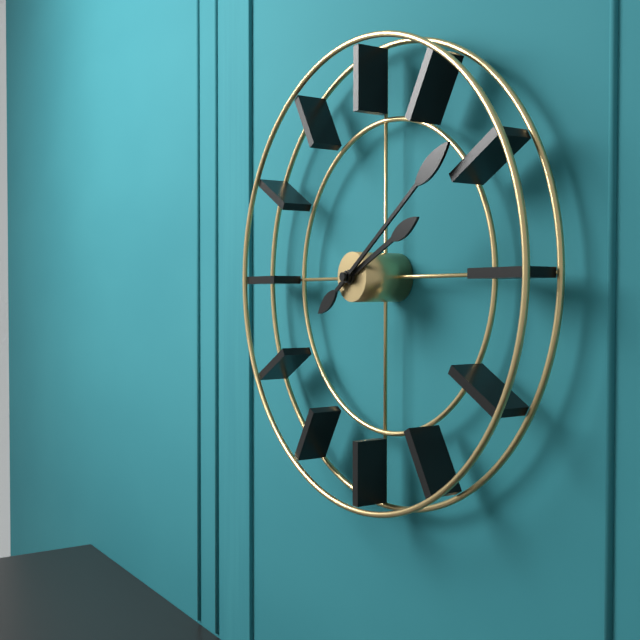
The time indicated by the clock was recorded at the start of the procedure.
2:09
